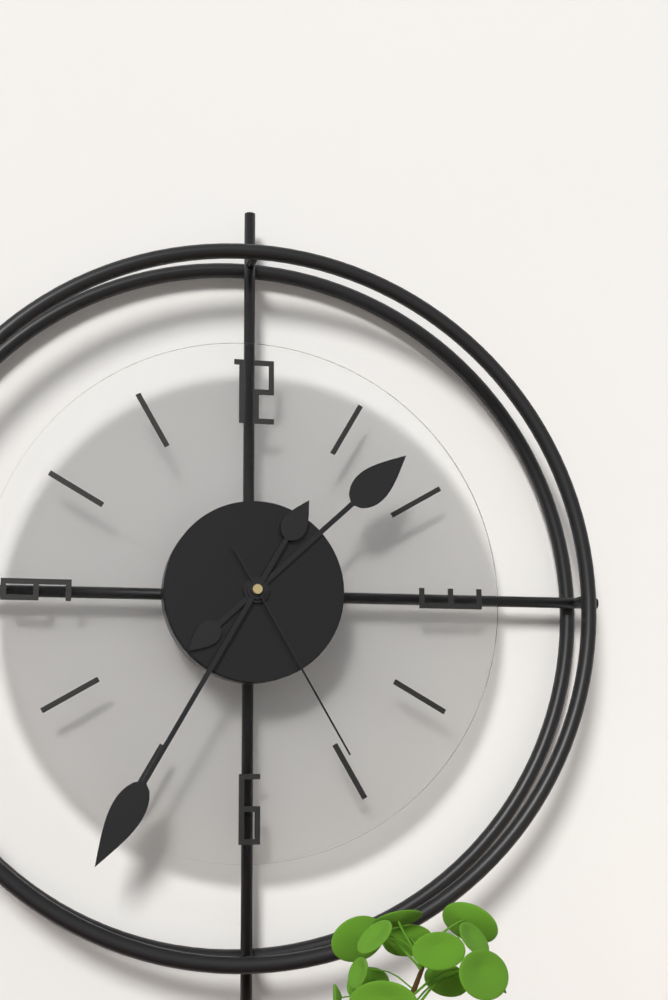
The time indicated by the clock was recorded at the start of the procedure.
1:35:25
